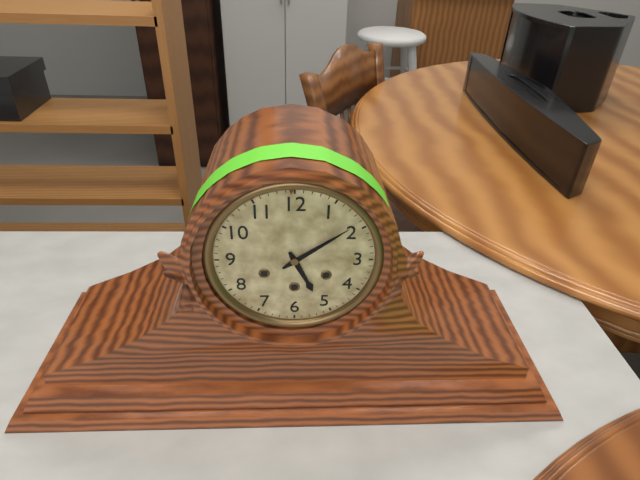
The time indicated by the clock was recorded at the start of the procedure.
5:09
